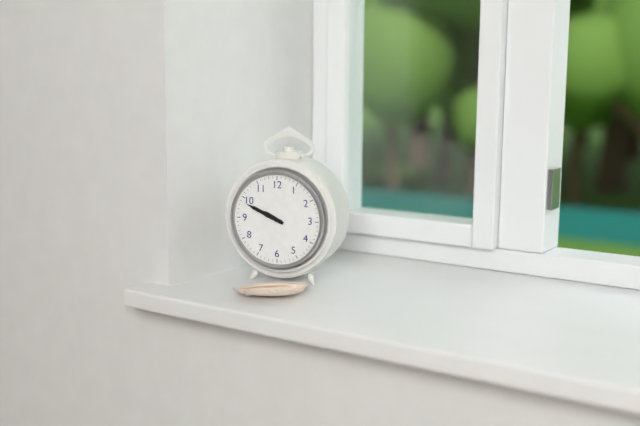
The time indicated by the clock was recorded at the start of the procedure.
9:49
